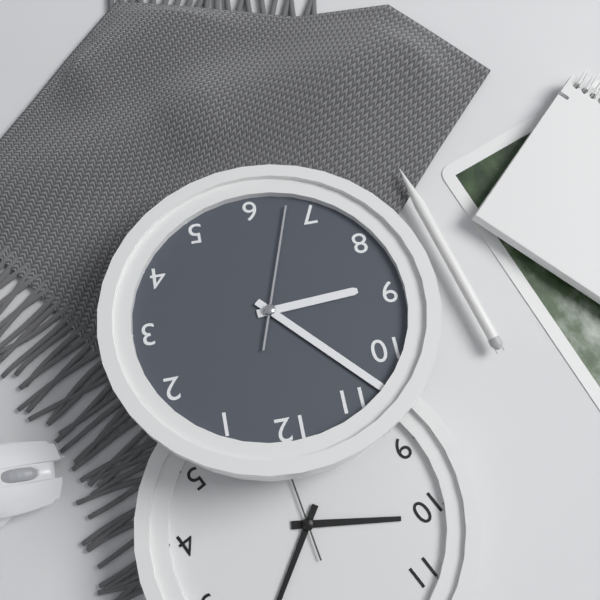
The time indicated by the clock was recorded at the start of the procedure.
8:53:33
